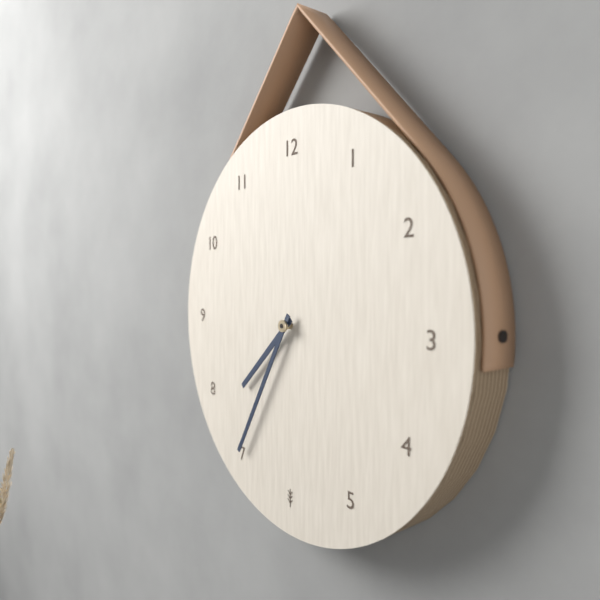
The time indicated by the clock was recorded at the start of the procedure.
7:35
